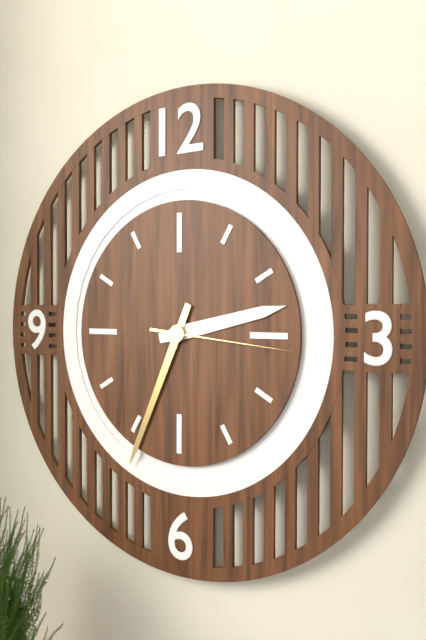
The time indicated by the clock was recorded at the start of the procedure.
2:34:16
